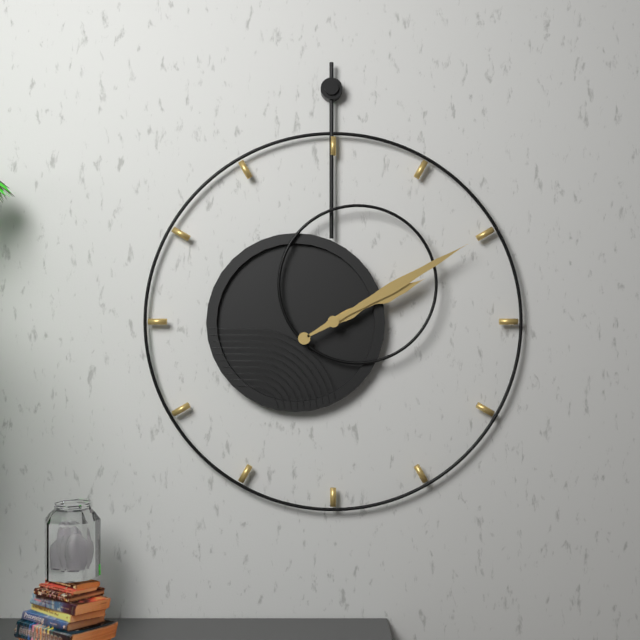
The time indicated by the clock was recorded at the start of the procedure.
2:10
